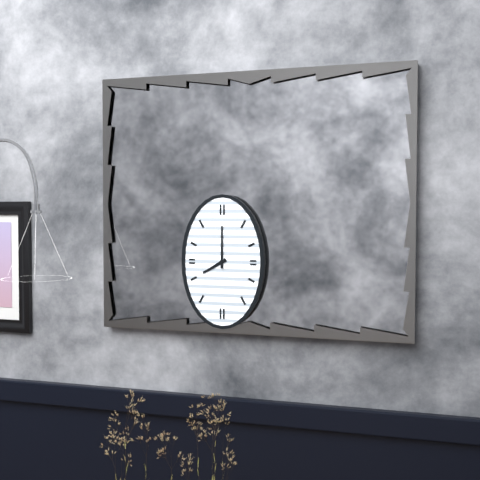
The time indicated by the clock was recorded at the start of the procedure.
8:00
